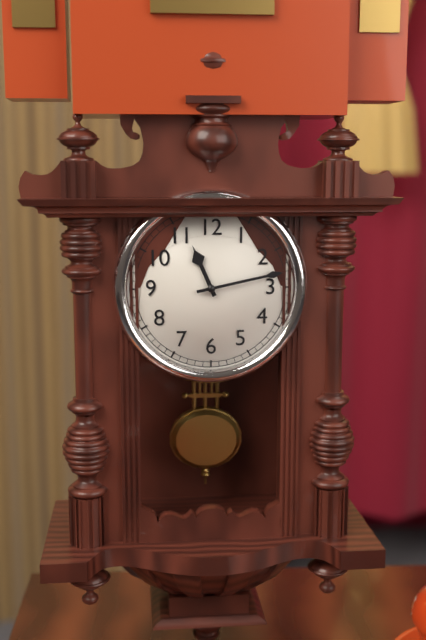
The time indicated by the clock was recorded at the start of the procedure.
11:13
